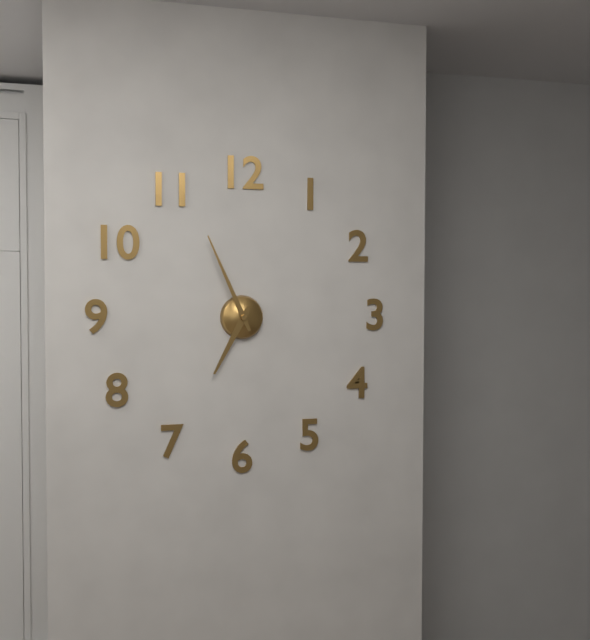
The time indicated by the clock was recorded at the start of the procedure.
6:56
